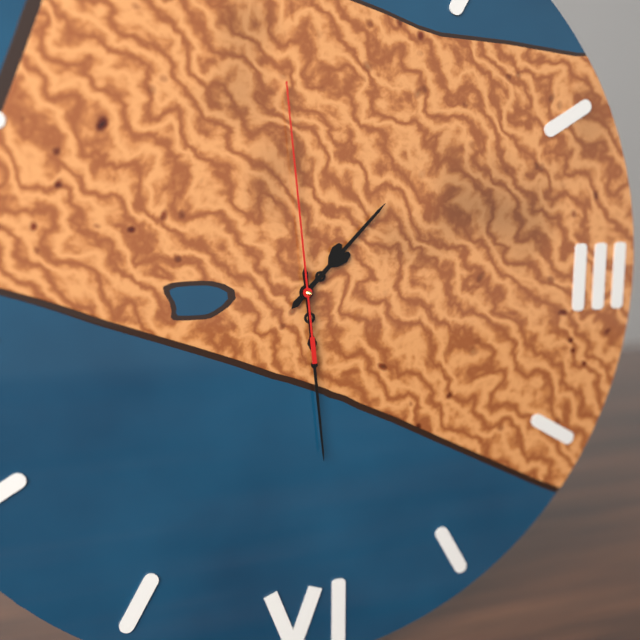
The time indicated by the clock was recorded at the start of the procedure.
1:29:59
